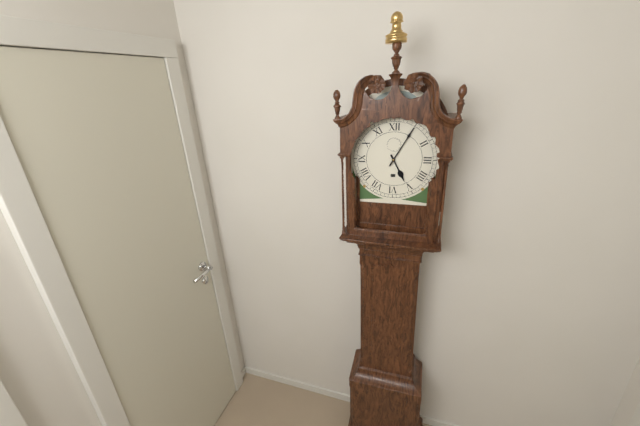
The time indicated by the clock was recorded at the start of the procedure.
5:05
